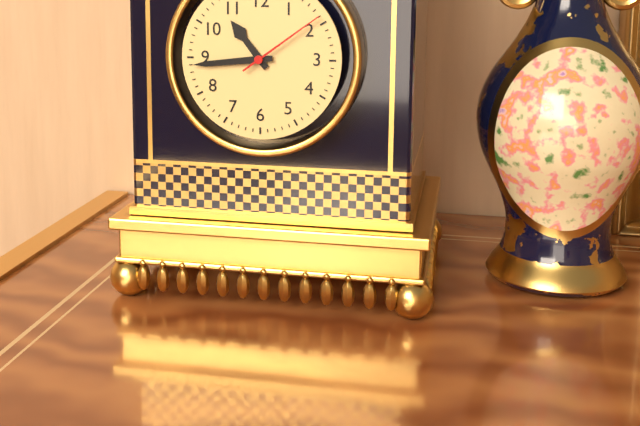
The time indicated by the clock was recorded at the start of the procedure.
10:44:09
